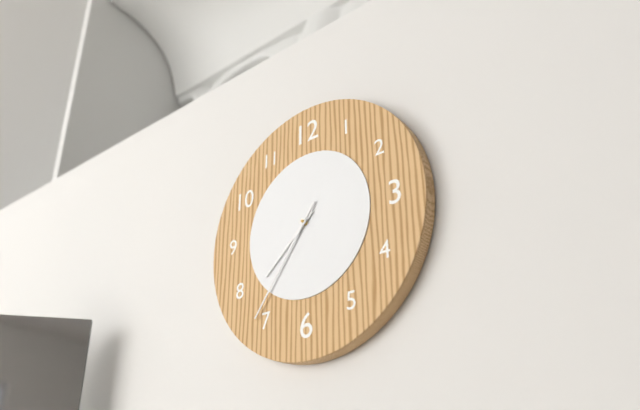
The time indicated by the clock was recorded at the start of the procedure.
7:36
